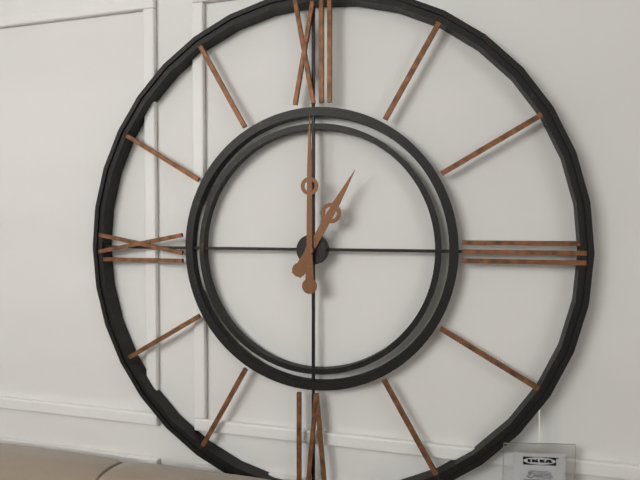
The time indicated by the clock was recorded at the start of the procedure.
1:00
